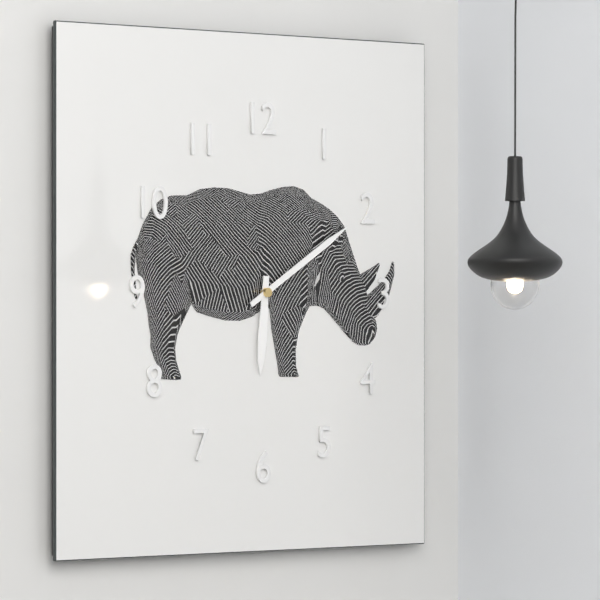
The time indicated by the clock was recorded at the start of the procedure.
6:10
